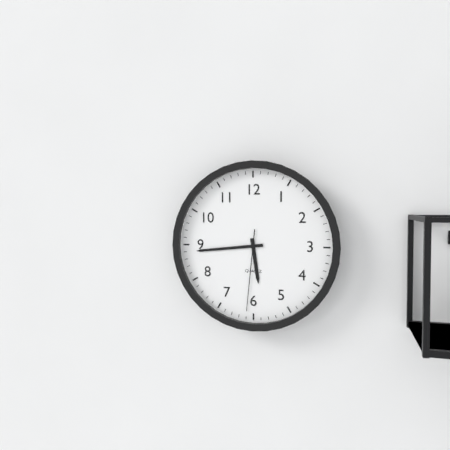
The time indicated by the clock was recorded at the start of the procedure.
5:44:31
